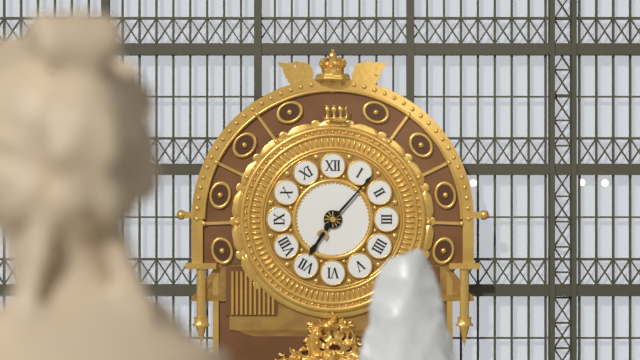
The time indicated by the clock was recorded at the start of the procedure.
7:07
